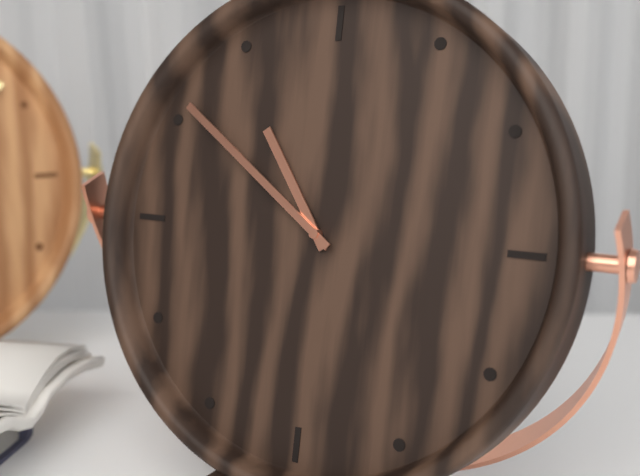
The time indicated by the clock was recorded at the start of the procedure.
10:51
